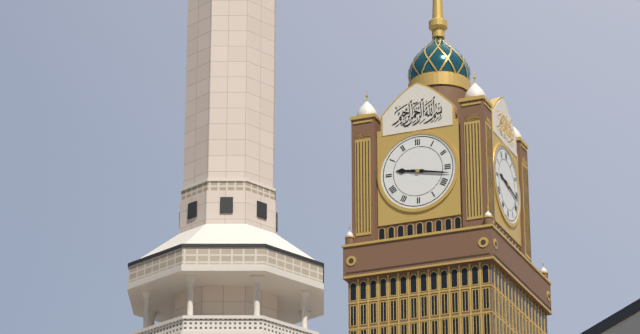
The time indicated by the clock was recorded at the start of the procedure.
9:17
